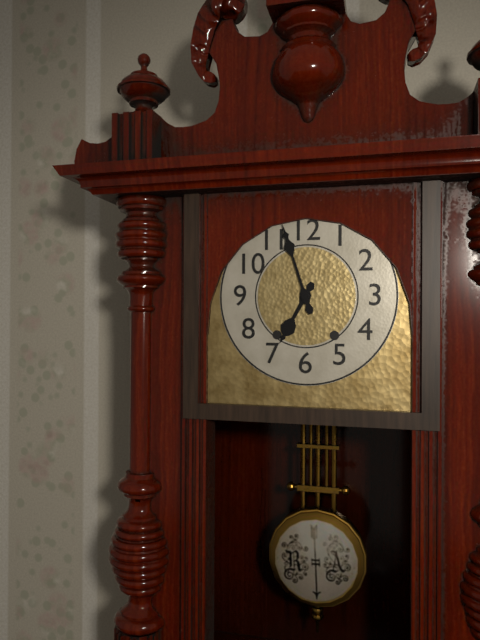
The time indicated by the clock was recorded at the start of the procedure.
6:57
